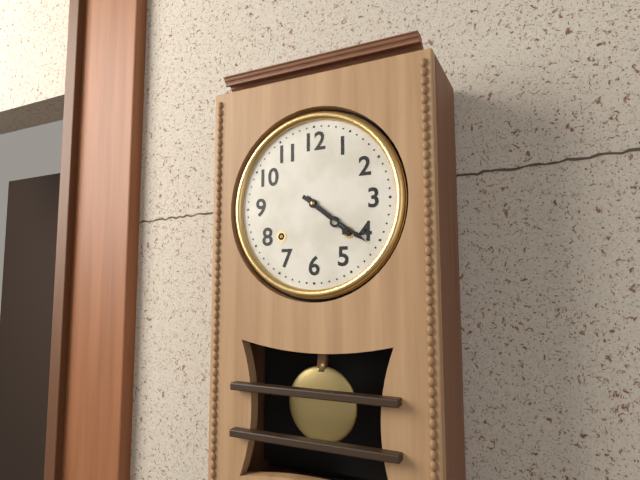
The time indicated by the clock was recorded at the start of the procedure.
4:21
